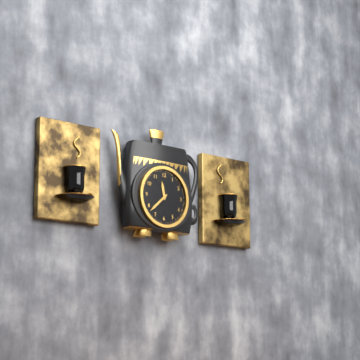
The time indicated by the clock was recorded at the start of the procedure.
11:38
